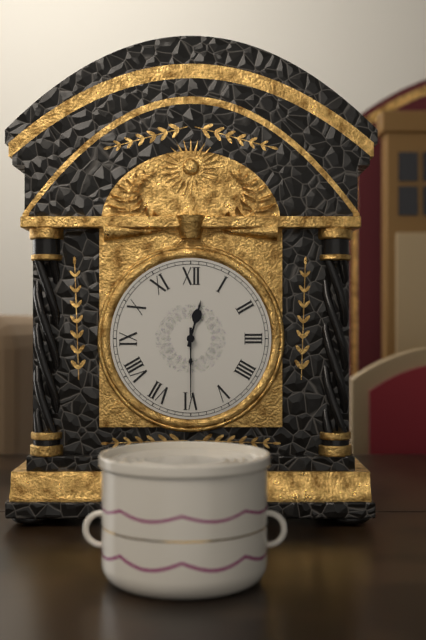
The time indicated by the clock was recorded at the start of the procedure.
12:30
